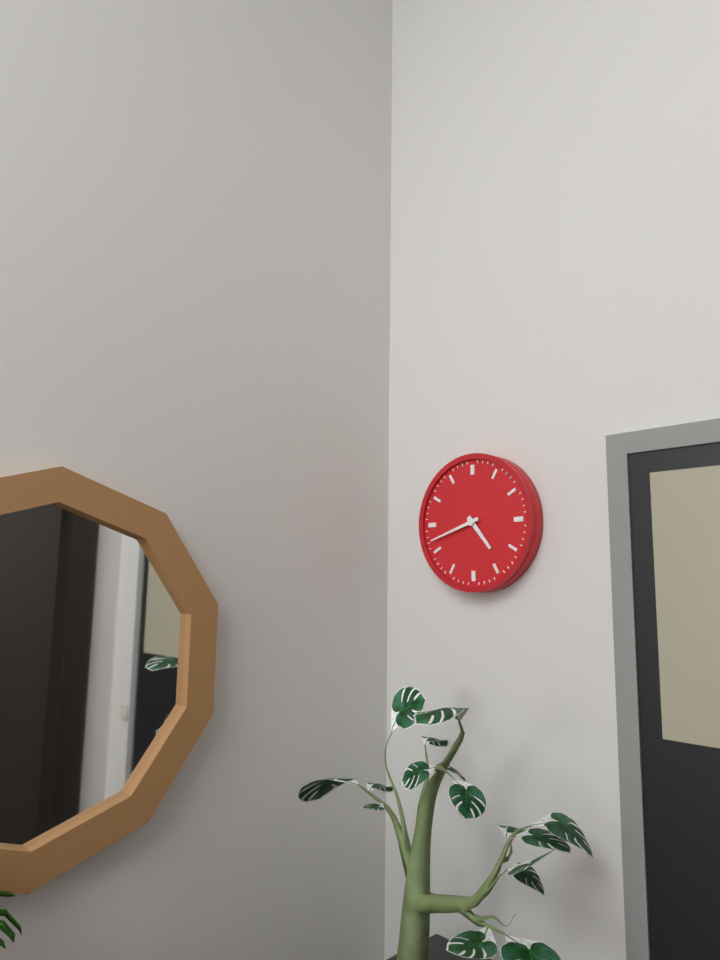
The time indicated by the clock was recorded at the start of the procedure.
4:42
